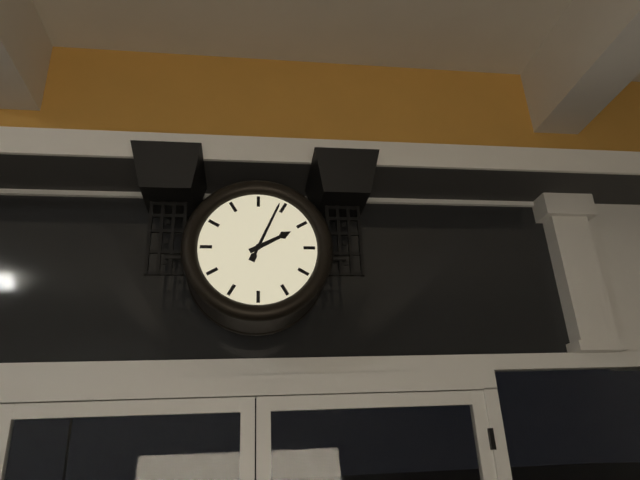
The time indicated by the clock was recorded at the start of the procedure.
2:04
